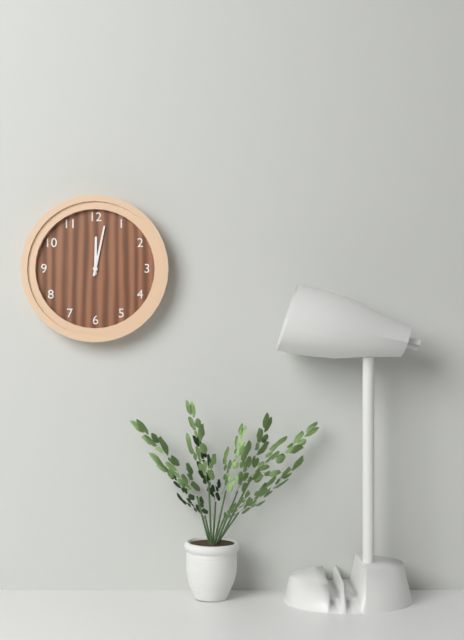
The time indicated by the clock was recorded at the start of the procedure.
12:02
